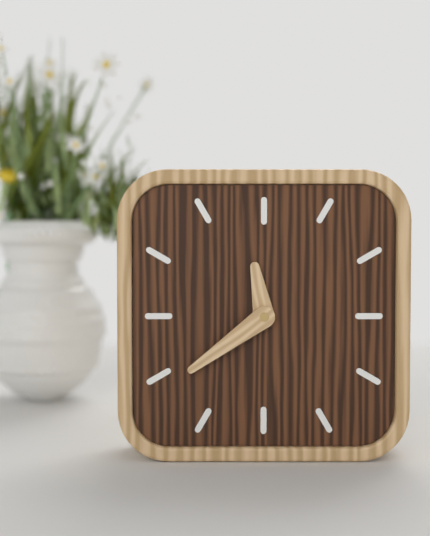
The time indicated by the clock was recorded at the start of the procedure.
11:39
